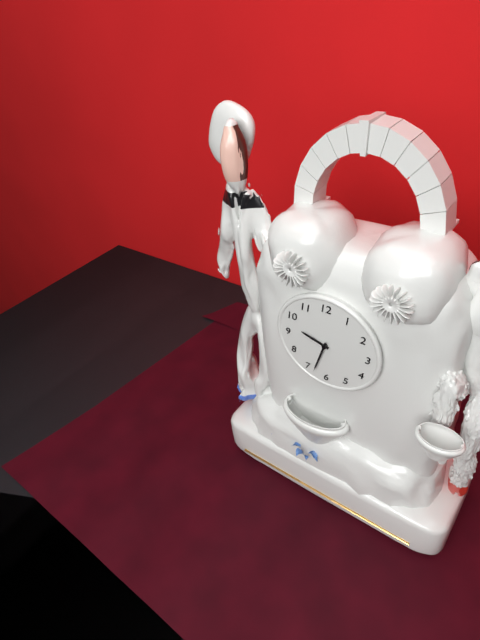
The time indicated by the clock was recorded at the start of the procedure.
9:33
